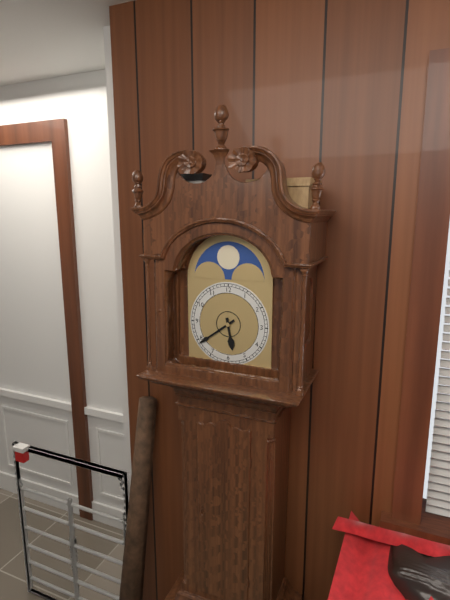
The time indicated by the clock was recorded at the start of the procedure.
5:39
